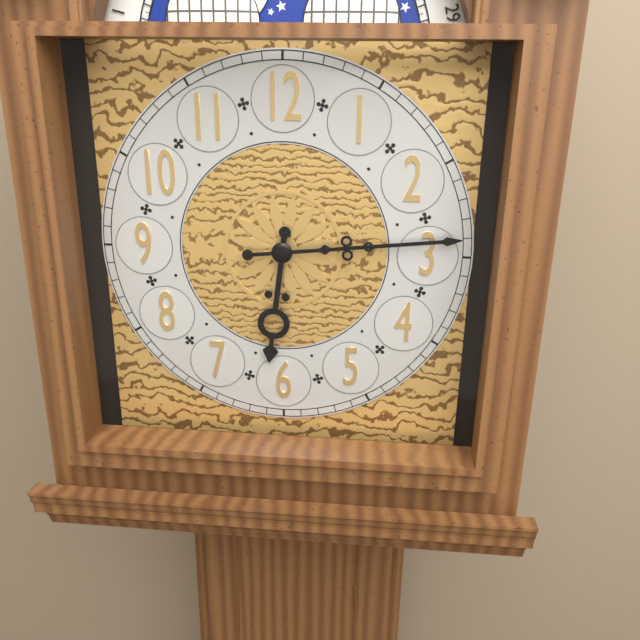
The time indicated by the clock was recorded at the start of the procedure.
6:14
